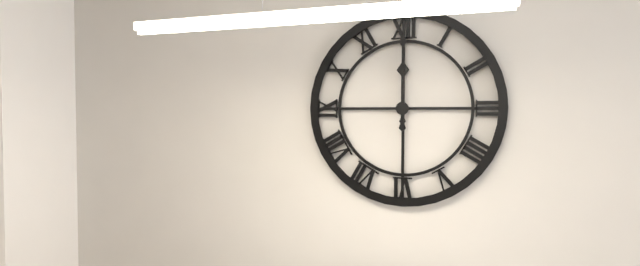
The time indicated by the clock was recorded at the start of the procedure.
12:00
